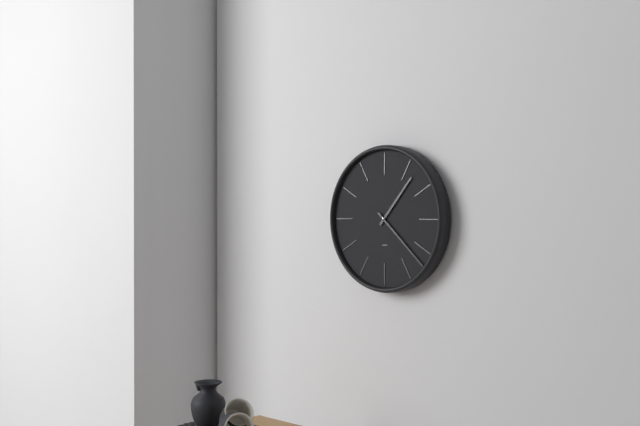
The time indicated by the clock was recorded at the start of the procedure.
1:22
